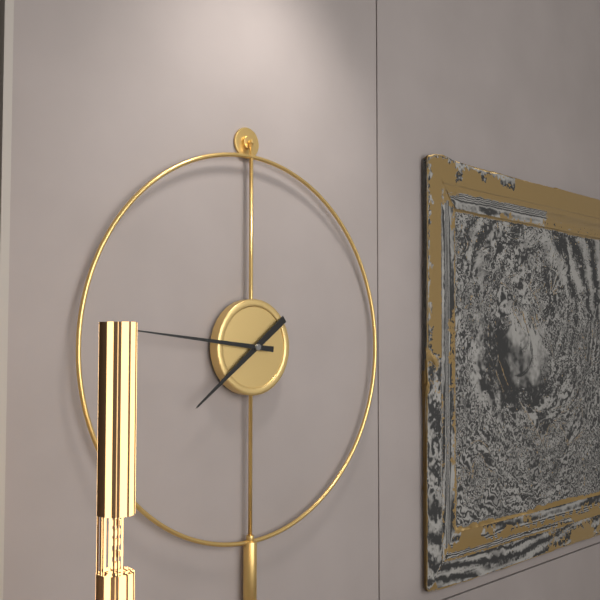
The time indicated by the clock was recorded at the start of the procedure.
7:46
